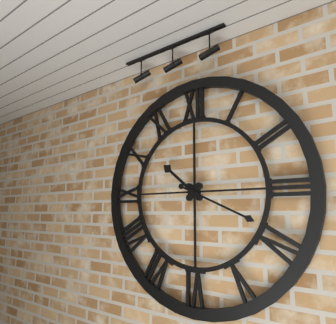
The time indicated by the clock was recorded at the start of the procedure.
10:19
